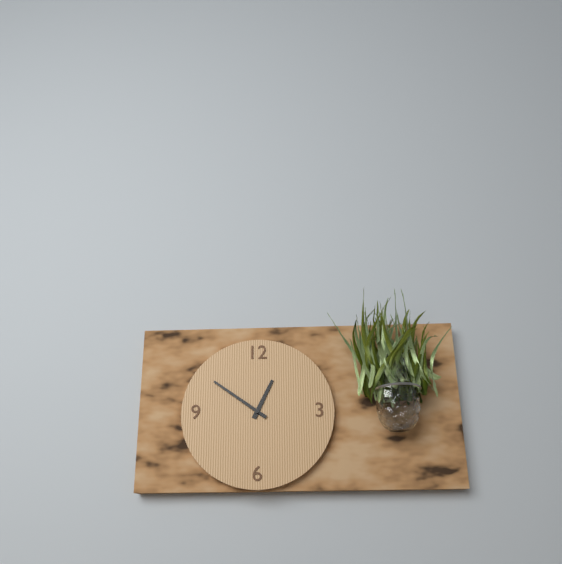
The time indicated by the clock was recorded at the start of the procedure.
12:51
